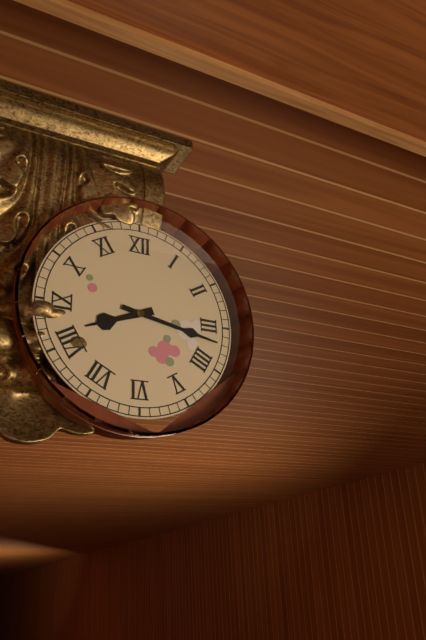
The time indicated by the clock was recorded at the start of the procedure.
8:17
